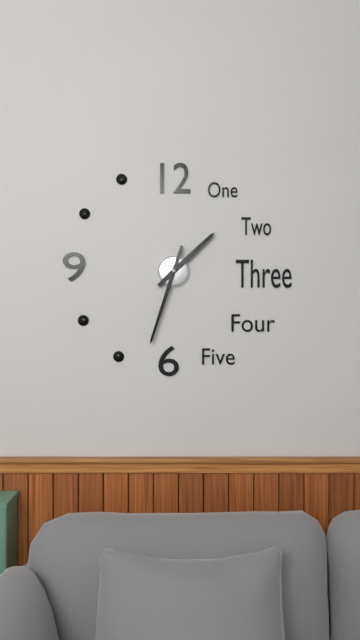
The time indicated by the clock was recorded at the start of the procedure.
1:33
